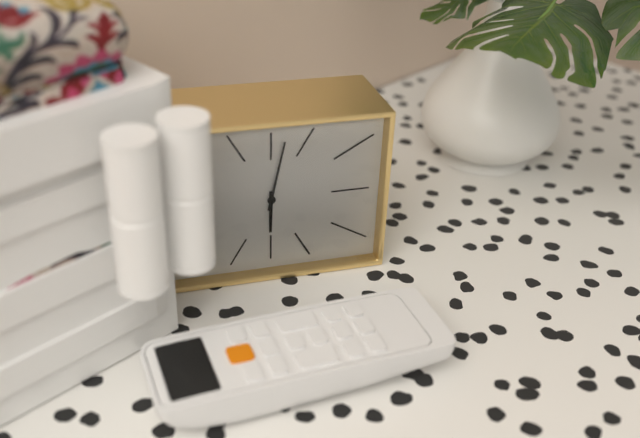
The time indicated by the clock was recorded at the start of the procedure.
6:02
